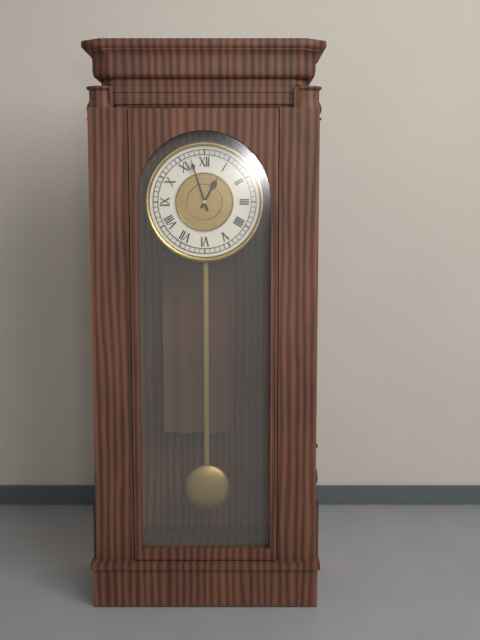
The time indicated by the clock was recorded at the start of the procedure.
12:57
